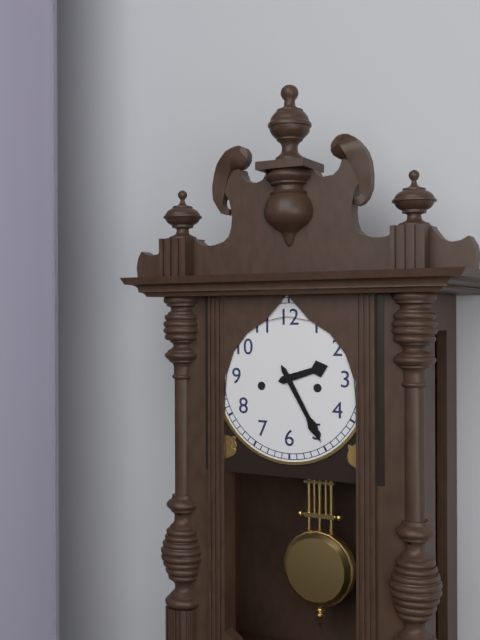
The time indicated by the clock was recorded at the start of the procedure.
2:25
